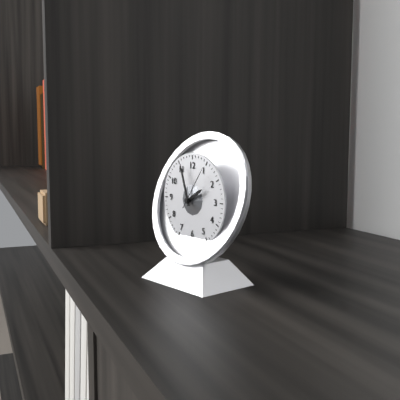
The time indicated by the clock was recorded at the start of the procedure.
1:57
